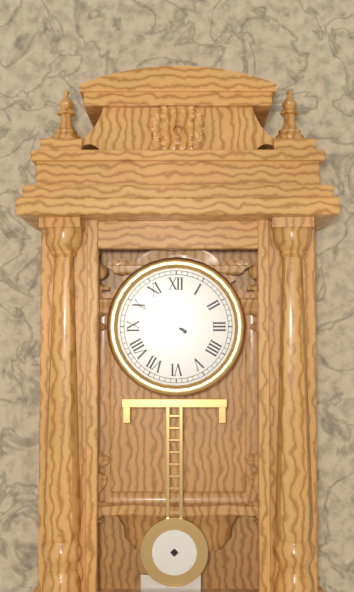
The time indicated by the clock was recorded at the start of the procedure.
9:50
